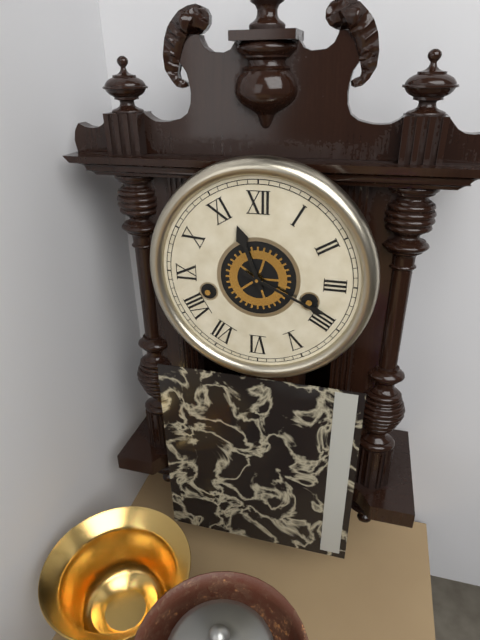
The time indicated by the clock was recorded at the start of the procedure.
11:19
